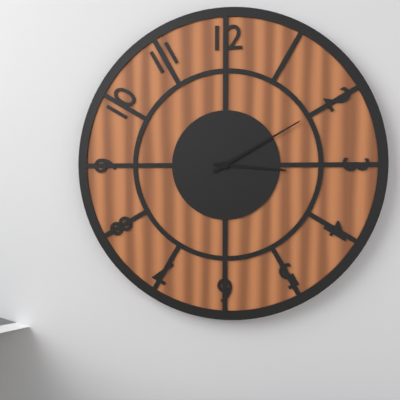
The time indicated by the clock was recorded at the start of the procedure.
3:10
